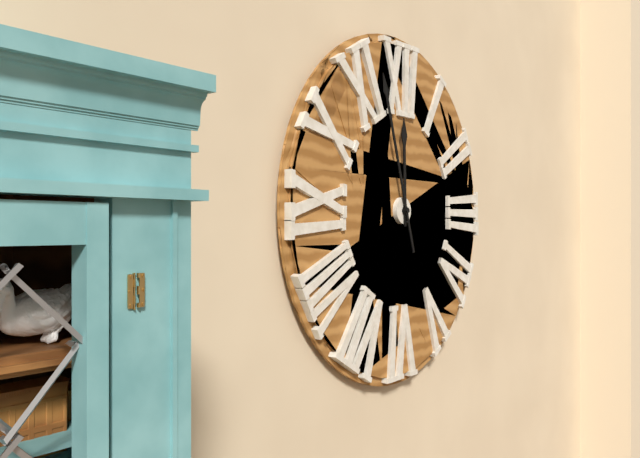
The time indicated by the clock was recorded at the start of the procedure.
11:57
